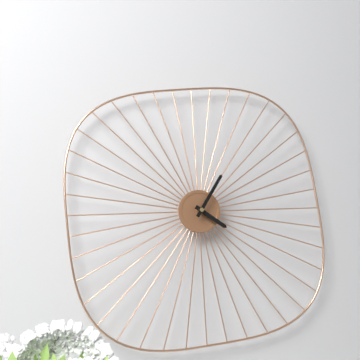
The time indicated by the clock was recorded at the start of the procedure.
4:05
